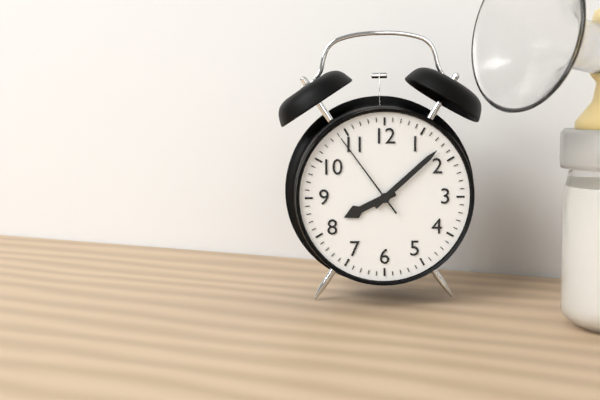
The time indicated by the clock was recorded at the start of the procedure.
8:08:54
